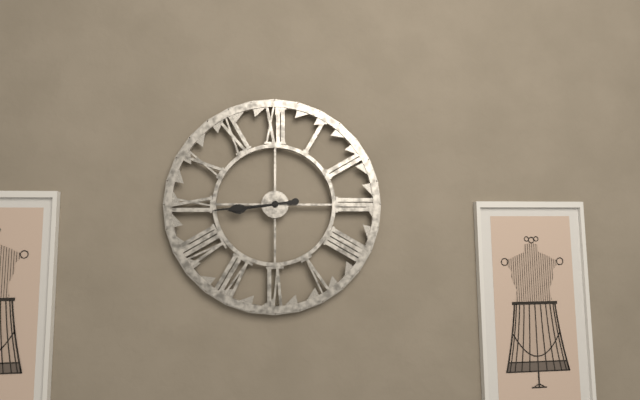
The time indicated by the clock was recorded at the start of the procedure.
8:44
